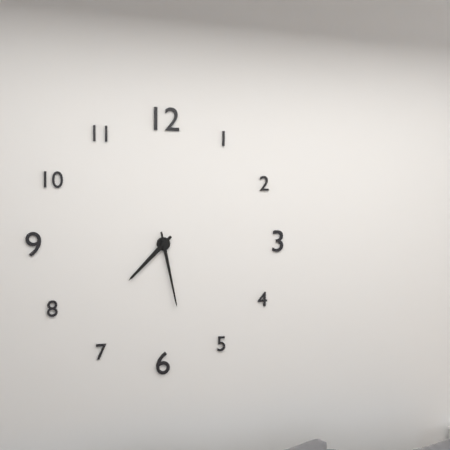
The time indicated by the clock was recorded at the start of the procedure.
7:28
